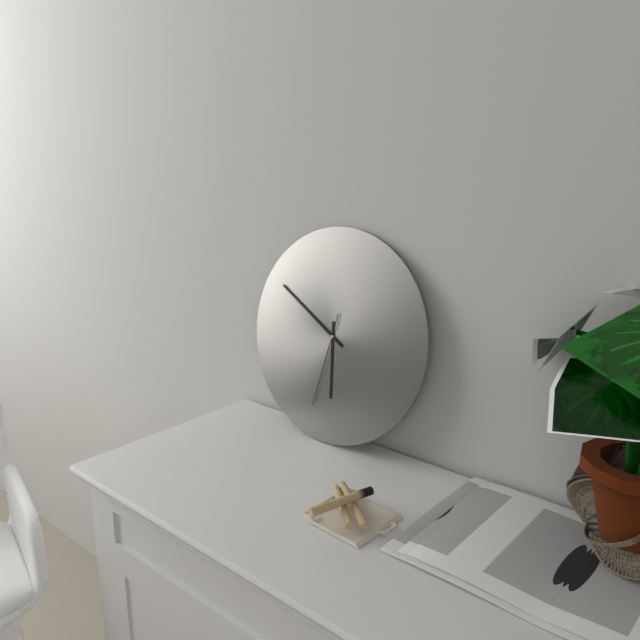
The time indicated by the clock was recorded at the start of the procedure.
5:50:32
